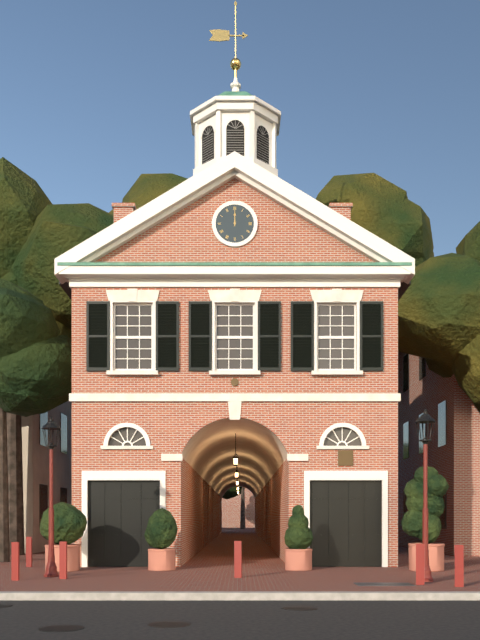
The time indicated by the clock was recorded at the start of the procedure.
12:00
